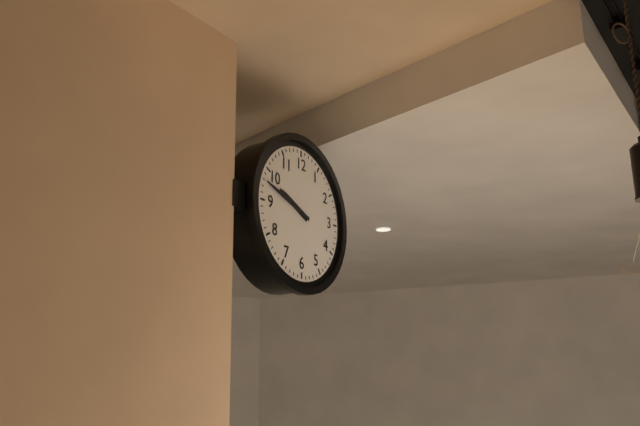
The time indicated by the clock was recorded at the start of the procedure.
9:48
